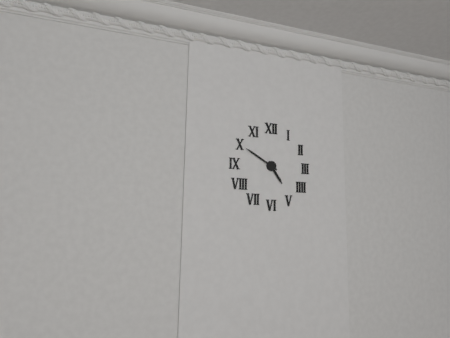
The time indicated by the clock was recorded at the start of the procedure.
4:50
